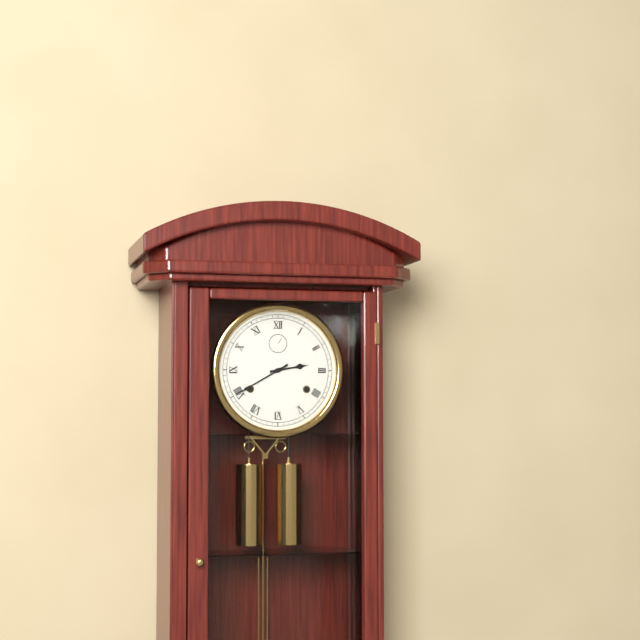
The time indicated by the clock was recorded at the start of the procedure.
2:40
